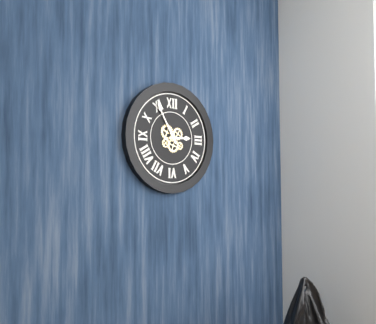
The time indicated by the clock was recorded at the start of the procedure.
2:55
